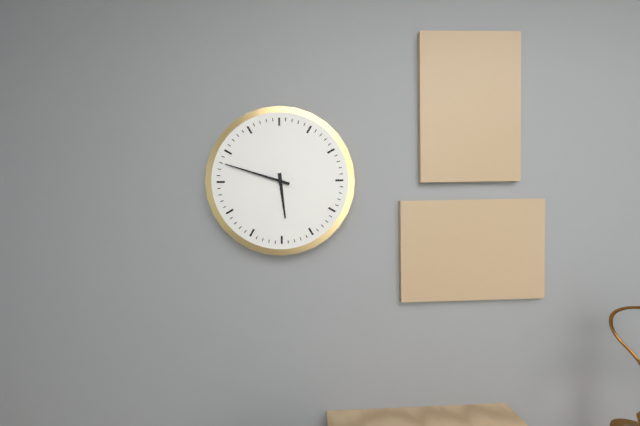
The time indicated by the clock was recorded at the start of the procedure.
5:48
